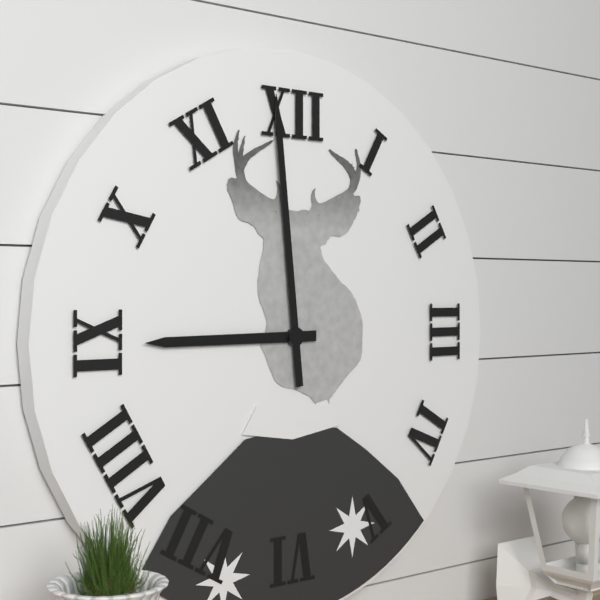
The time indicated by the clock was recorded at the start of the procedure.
8:59
